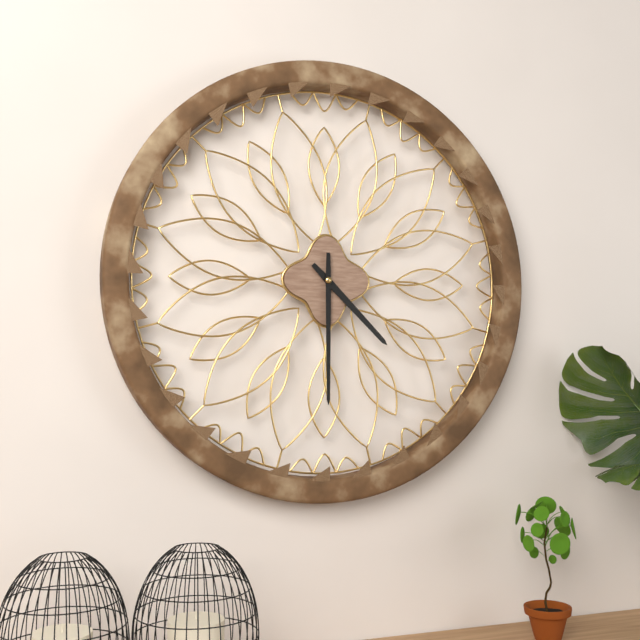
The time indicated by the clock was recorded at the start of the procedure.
4:30
